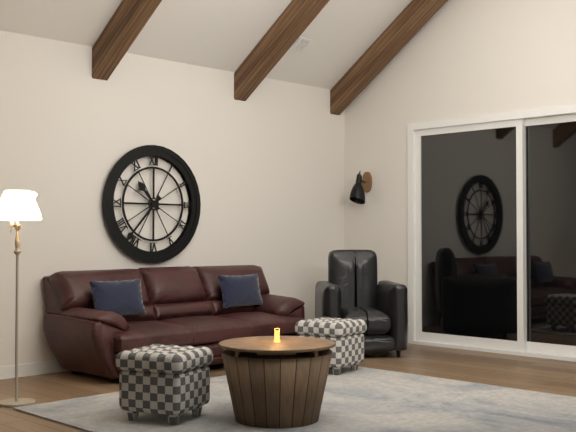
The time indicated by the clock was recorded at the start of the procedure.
10:37
